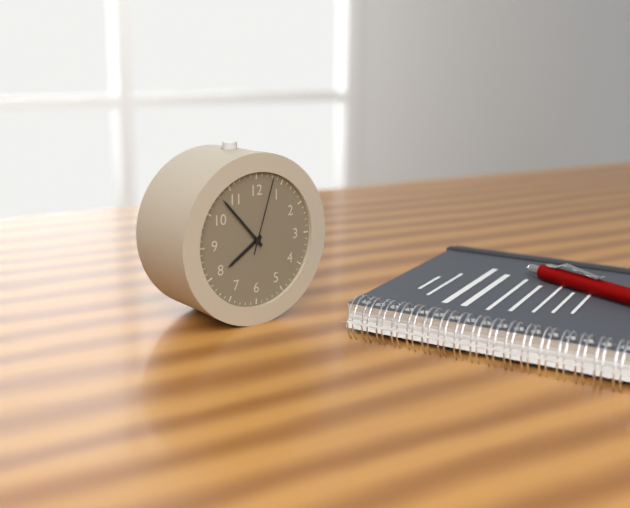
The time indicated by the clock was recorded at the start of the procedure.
7:53:03
